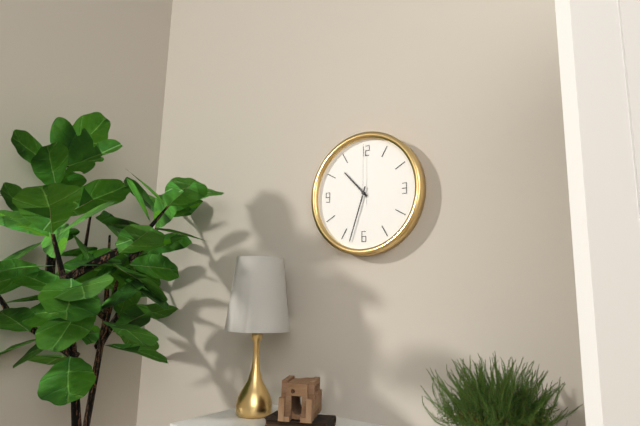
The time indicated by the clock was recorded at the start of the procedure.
10:33:00
